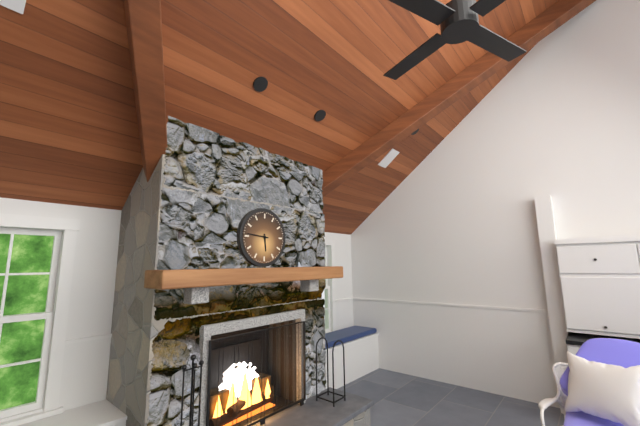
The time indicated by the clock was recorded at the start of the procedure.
5:46
